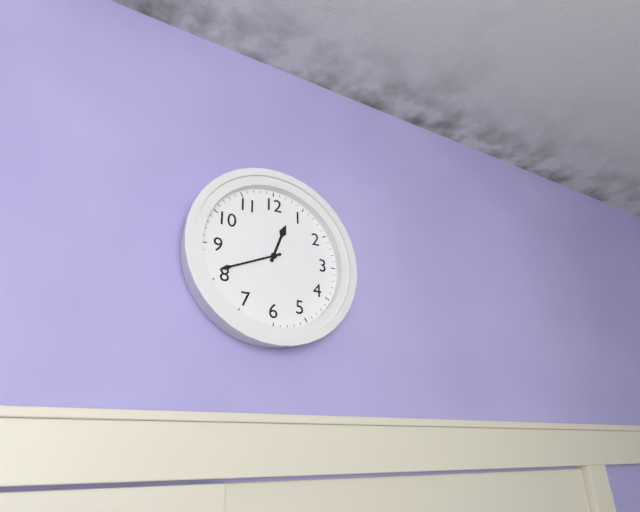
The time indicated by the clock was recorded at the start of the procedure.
12:41
